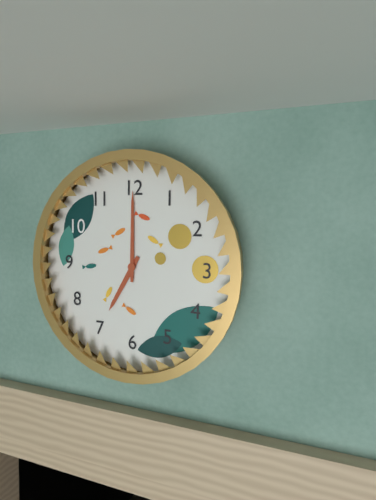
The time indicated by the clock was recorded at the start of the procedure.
7:00
